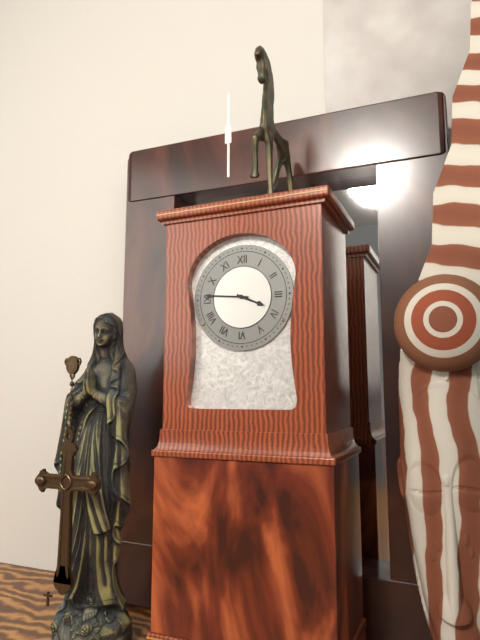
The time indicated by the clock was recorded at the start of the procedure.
3:46
